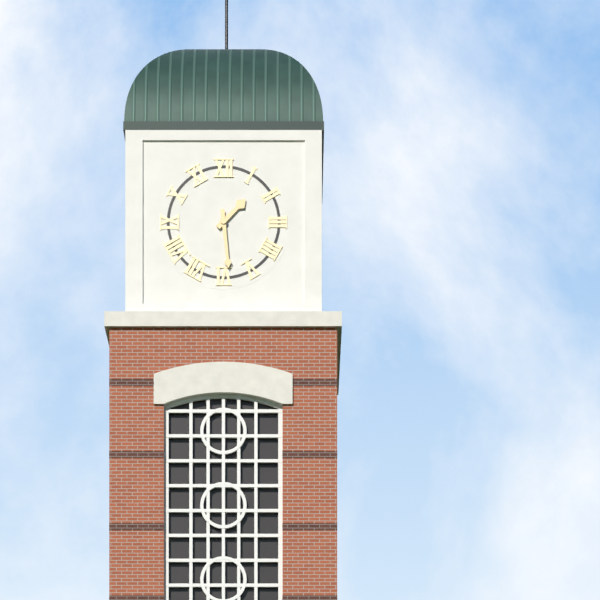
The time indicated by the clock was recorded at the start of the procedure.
1:29
